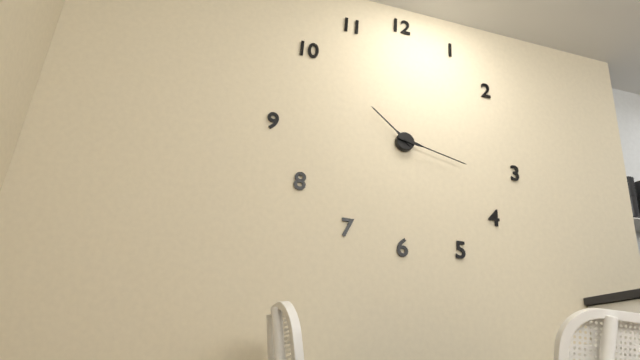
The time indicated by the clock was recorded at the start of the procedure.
10:17
